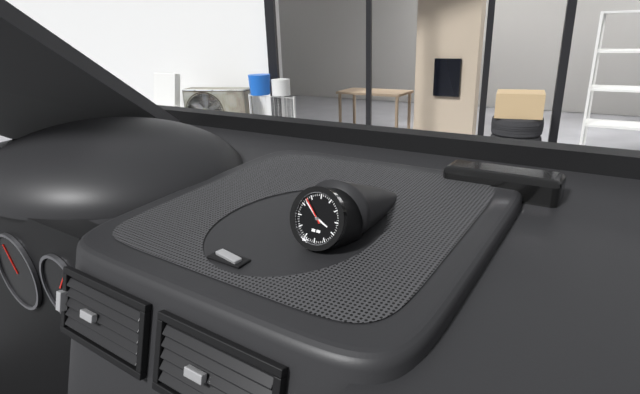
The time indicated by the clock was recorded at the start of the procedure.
3:52
